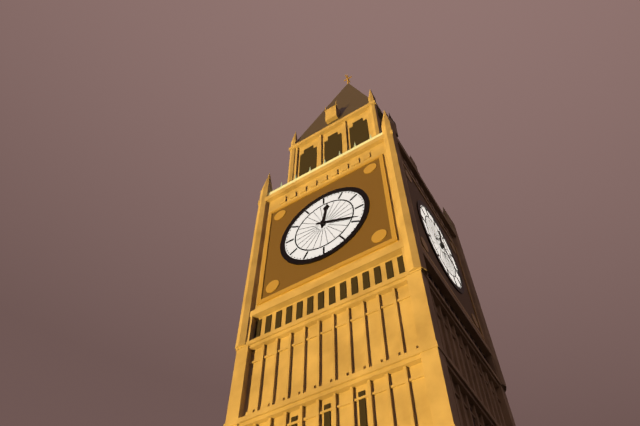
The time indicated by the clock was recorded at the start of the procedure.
12:19
